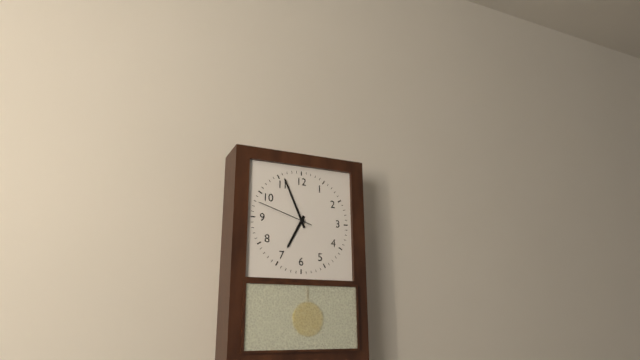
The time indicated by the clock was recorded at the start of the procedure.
6:56:48
